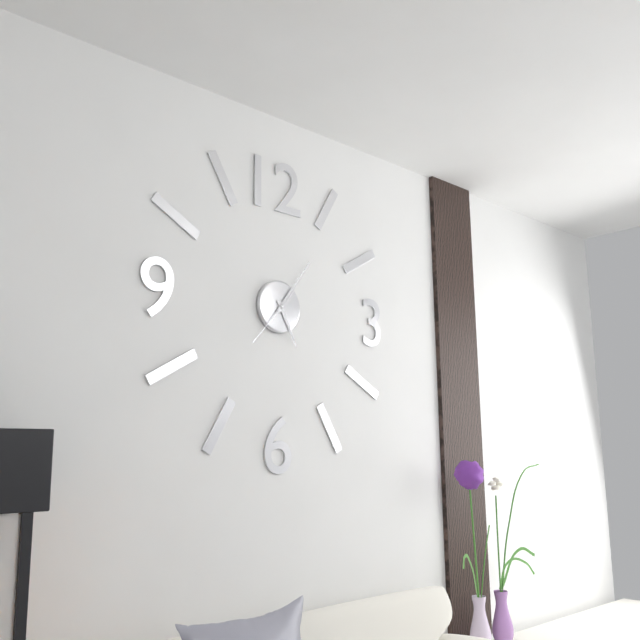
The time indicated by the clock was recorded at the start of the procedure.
5:06:37
